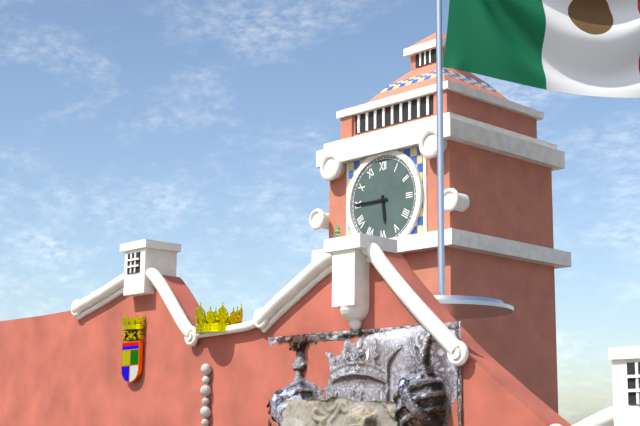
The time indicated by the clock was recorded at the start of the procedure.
5:45
